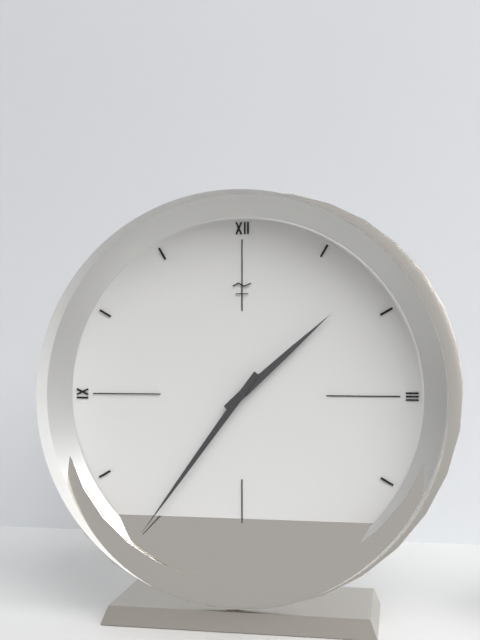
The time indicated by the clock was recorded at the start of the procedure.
1:36
